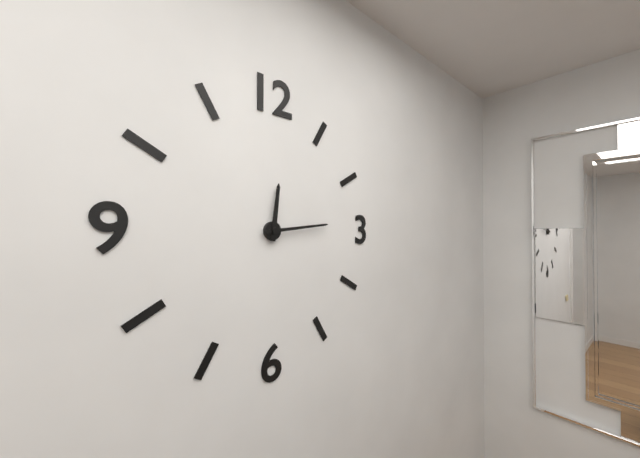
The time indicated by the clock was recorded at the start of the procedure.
12:14
